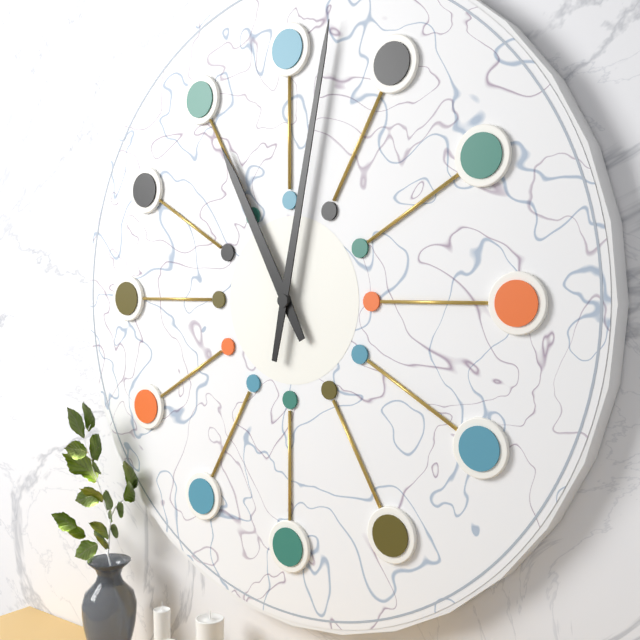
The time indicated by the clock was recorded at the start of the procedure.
11:02
